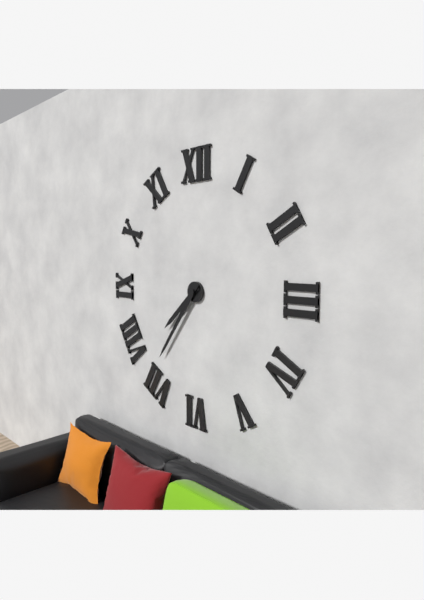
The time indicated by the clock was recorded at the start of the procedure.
7:36
